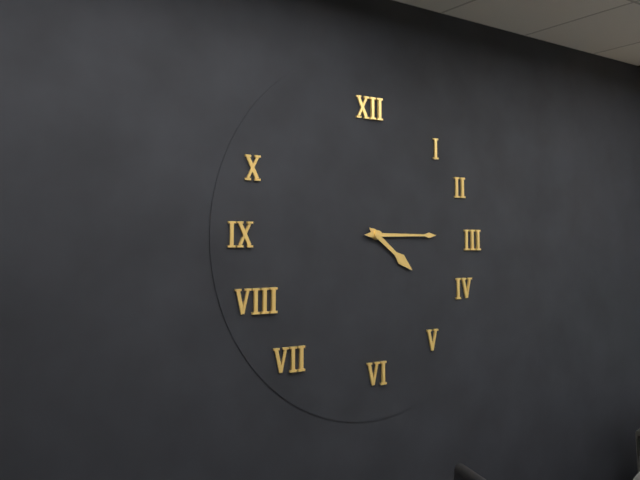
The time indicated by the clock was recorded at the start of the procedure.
4:15
